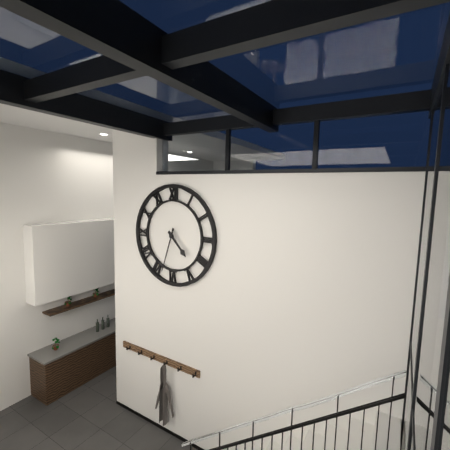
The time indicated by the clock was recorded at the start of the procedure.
4:33
